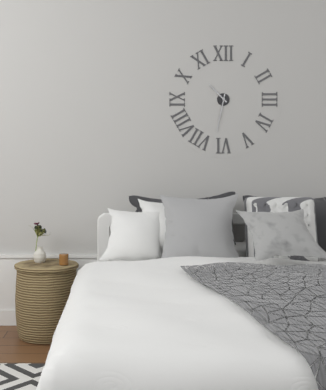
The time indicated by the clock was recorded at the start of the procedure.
10:32
